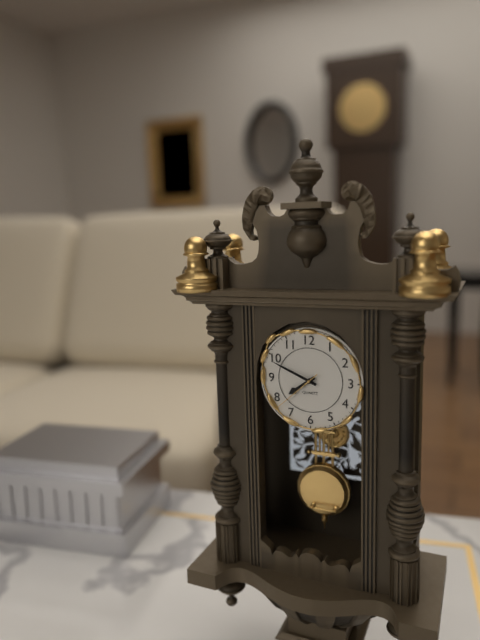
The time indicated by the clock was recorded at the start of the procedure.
7:49:38
